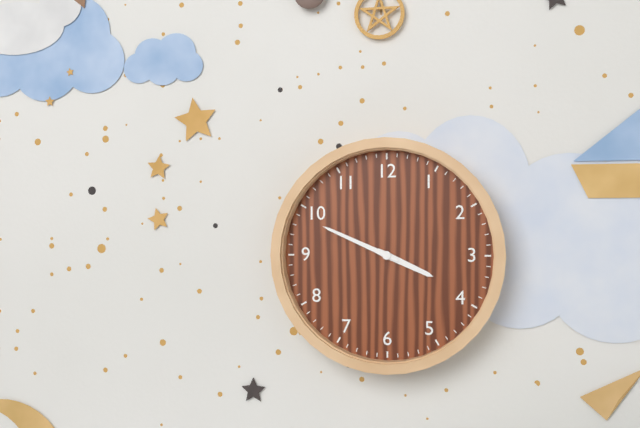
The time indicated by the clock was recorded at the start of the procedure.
3:49
